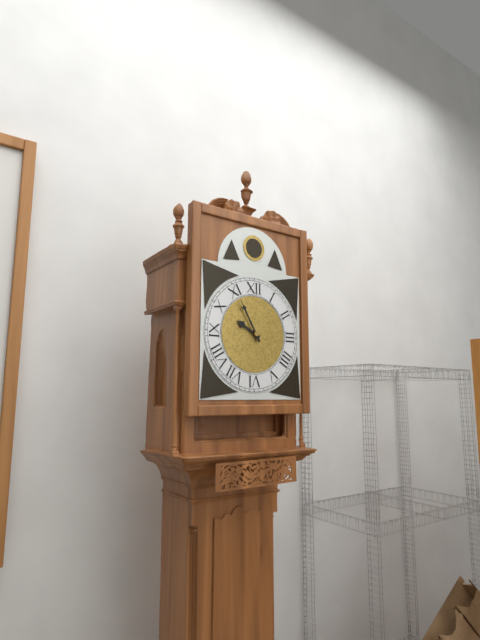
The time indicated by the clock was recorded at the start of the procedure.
9:55
